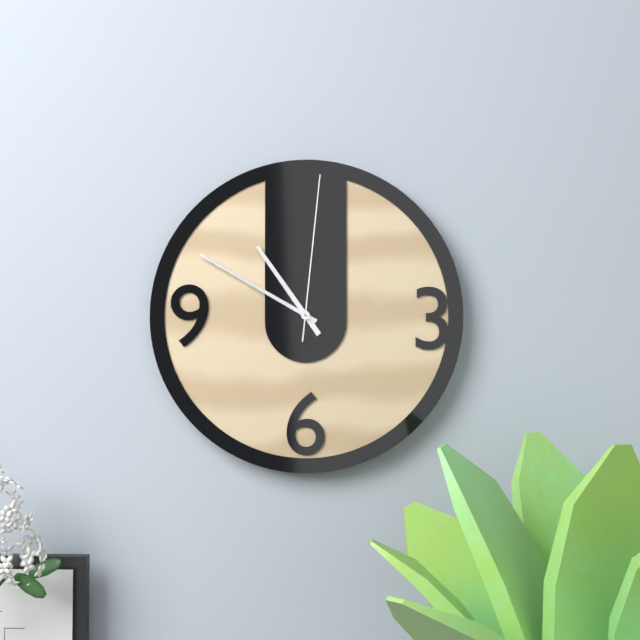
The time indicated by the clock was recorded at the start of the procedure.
10:50:01
